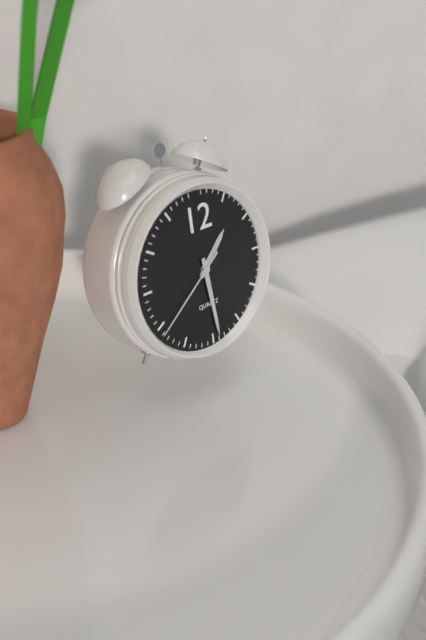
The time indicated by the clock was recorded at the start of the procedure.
1:29:39
